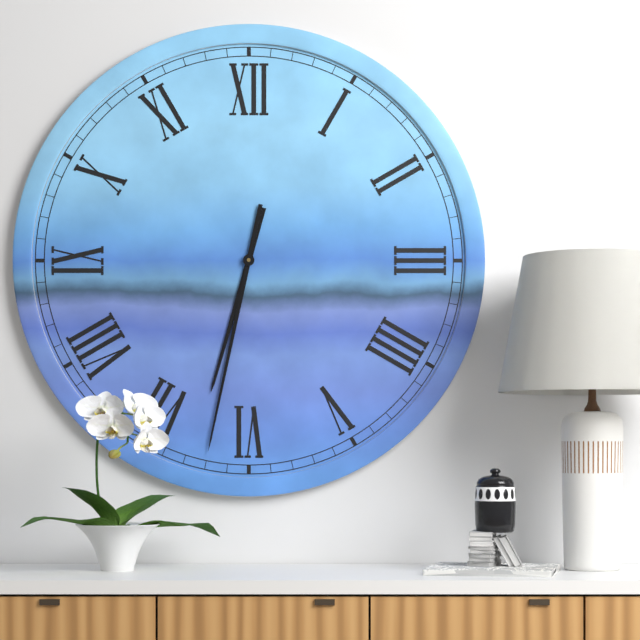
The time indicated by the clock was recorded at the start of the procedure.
6:32
